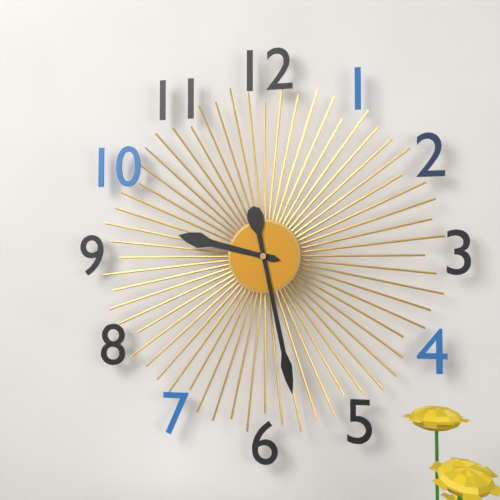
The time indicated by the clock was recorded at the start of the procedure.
9:28
